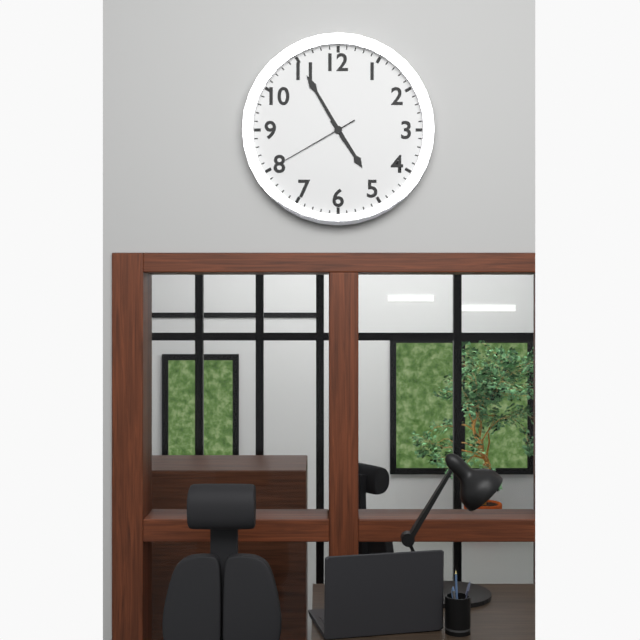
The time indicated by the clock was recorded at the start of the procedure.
4:55:40
